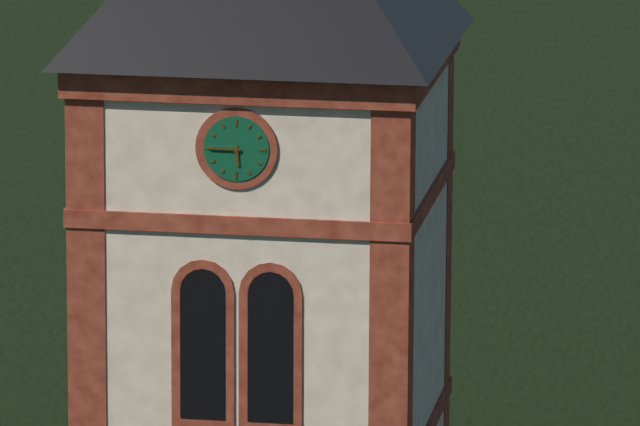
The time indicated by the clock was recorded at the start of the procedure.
5:45
